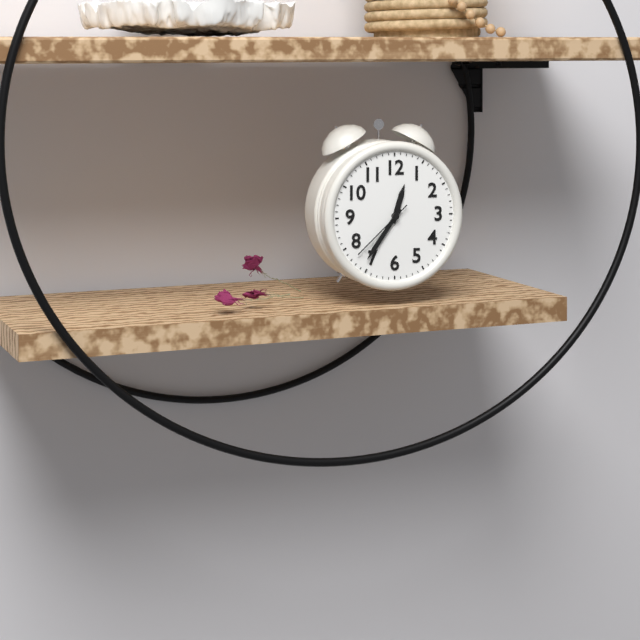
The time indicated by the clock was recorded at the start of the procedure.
12:36:38
